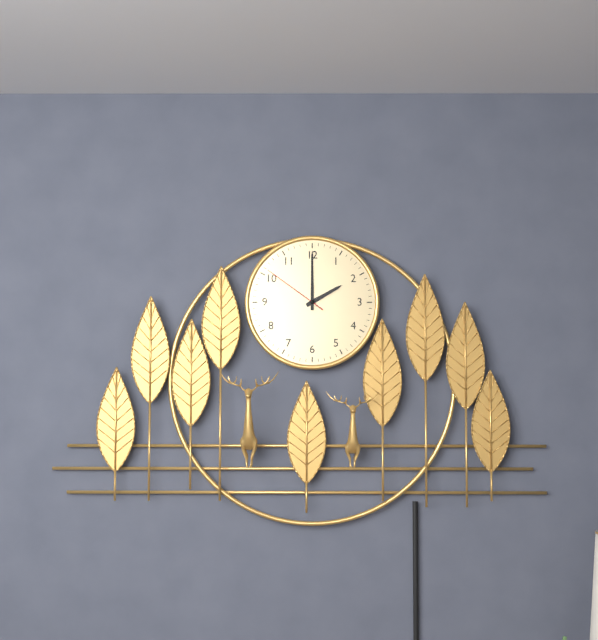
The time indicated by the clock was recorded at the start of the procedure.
2:00:51
